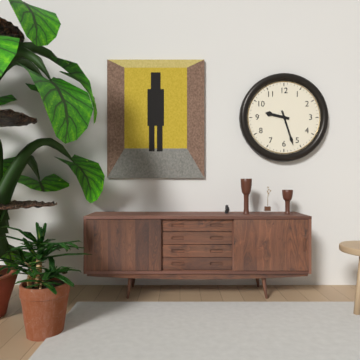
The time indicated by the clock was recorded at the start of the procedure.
9:27
